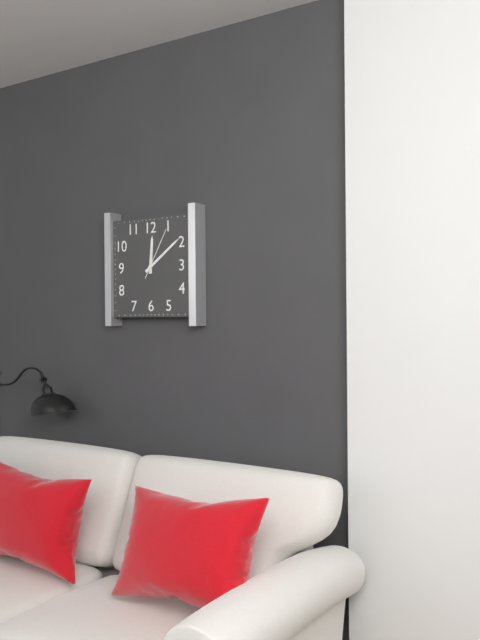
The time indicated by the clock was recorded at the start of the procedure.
12:09:05
